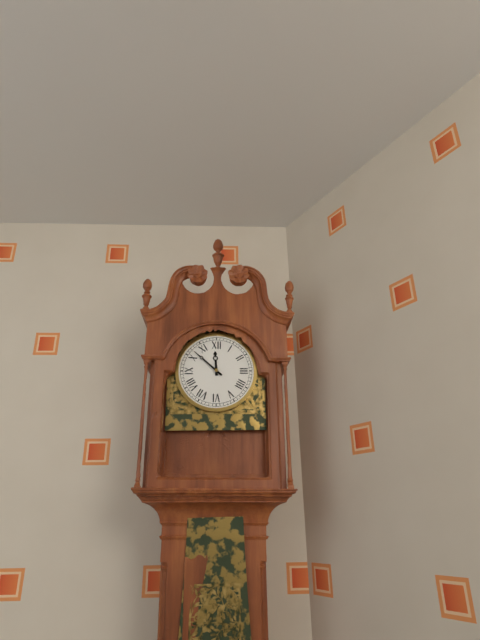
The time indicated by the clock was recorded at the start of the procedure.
11:52
